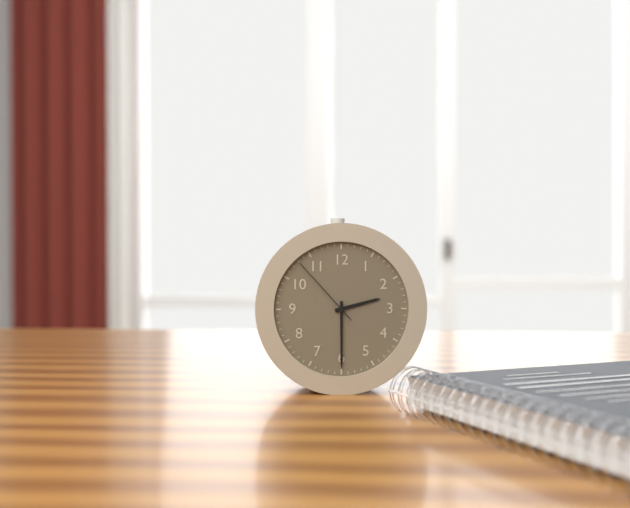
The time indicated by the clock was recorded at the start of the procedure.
2:30:53
